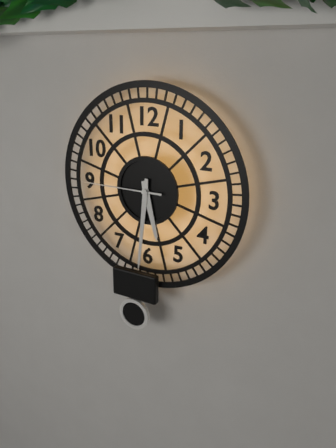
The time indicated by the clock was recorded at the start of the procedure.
5:31:45
